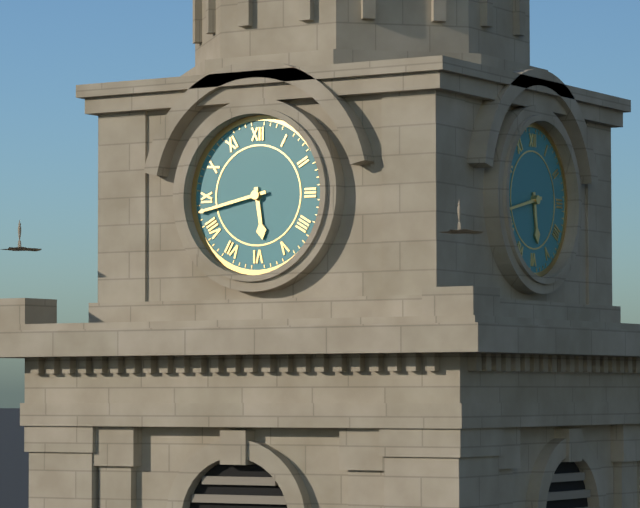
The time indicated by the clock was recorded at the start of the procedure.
5:43
